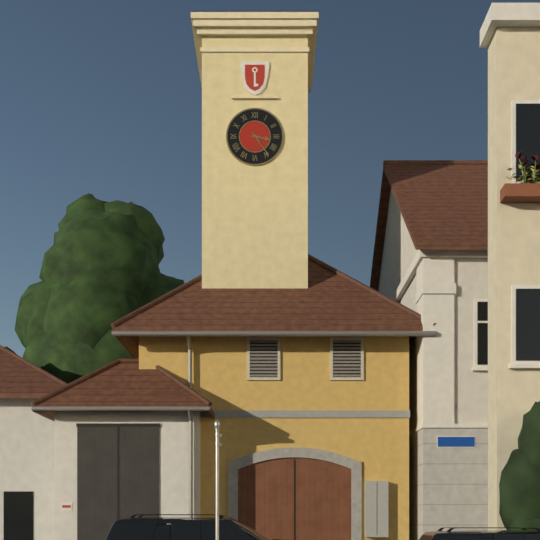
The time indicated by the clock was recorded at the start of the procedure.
3:24
